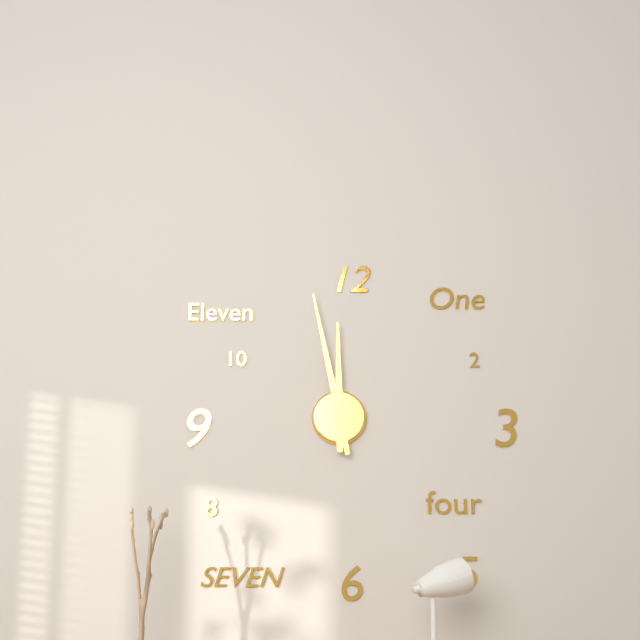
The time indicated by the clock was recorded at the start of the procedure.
11:58
